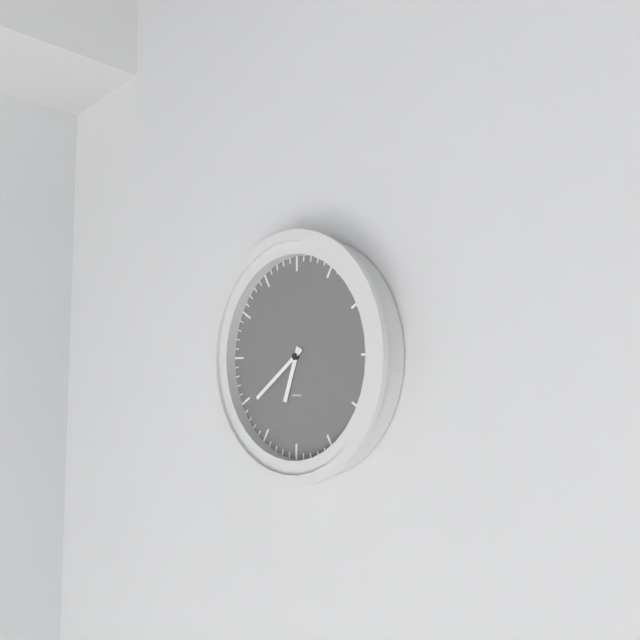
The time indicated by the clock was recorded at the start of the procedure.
6:39
